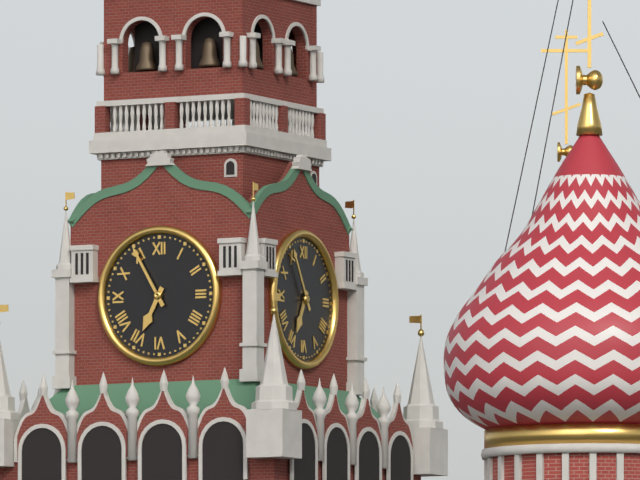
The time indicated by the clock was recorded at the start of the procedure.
6:55
